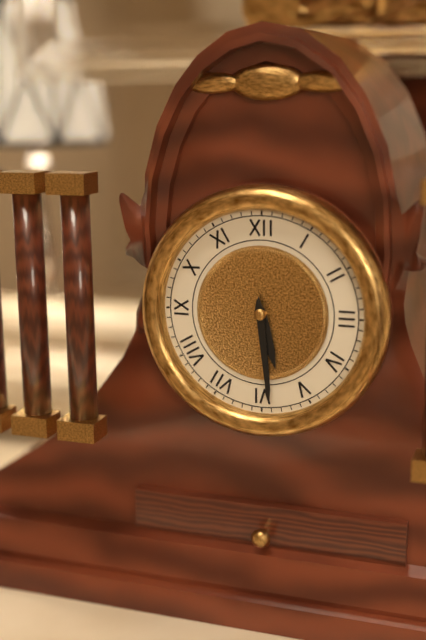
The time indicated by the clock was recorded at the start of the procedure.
5:29
